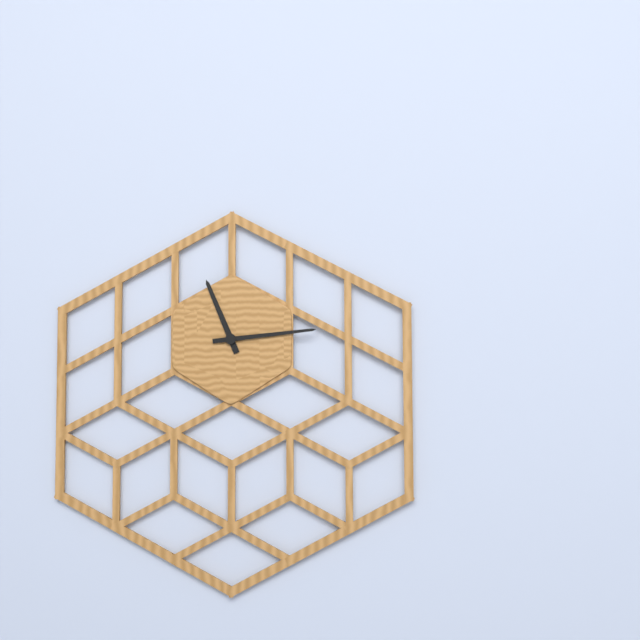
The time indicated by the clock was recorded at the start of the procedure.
11:14
